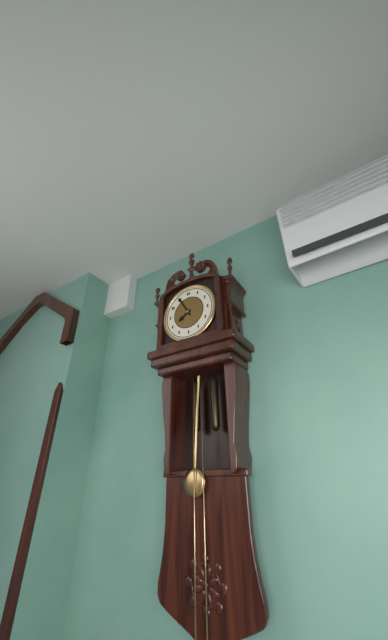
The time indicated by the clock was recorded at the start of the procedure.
7:55
